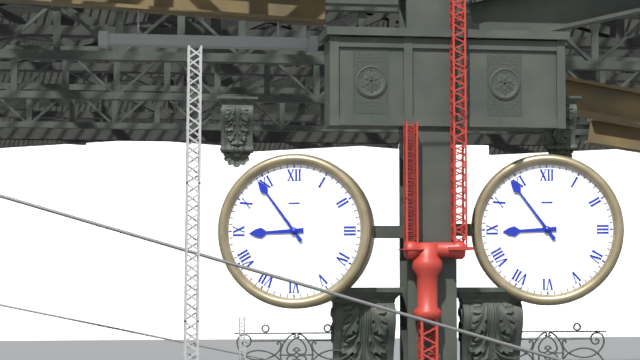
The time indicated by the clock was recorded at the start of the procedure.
8:54
